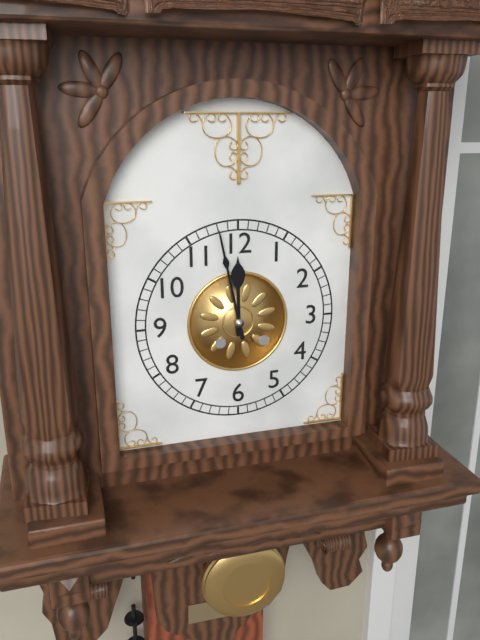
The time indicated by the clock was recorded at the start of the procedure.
11:58
